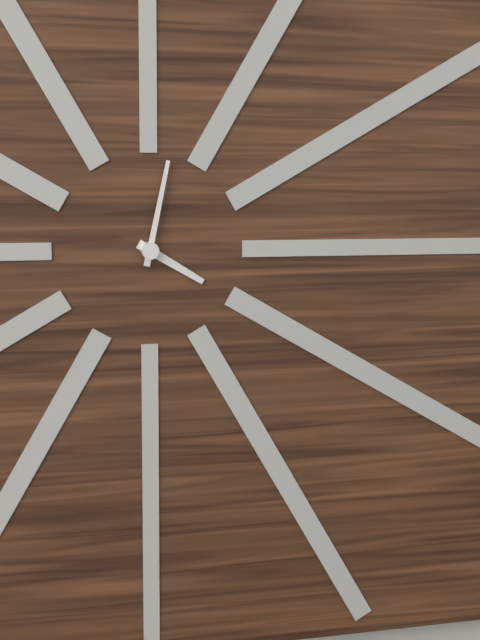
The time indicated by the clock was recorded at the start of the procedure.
4:02
